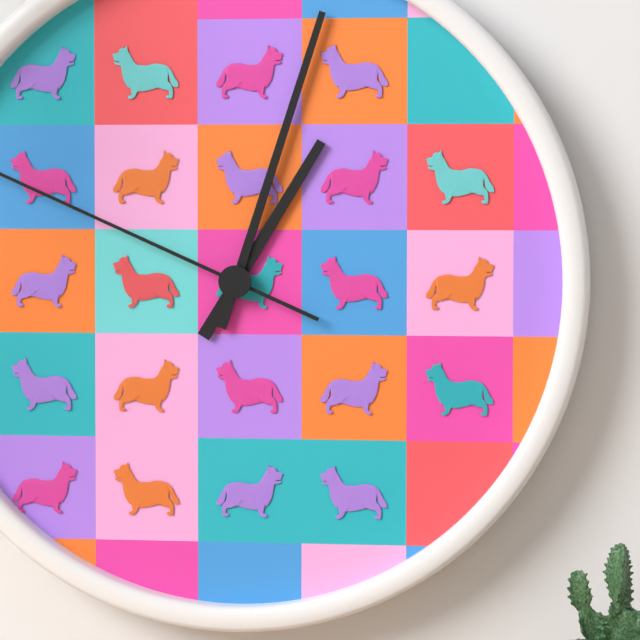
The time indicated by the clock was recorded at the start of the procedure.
1:03
